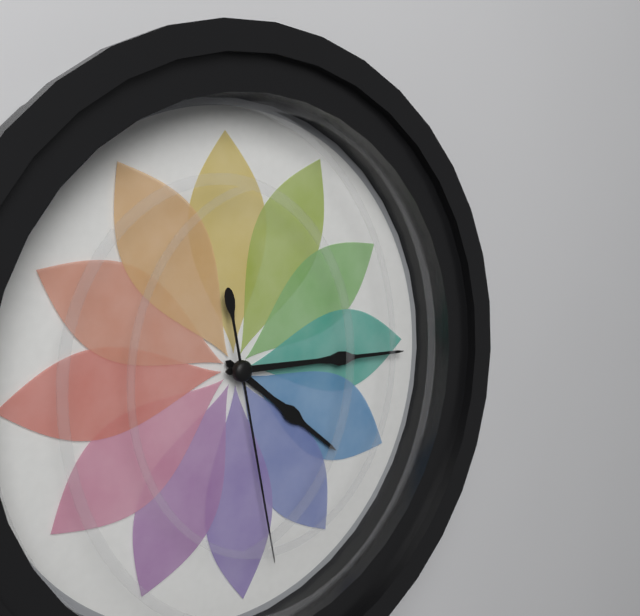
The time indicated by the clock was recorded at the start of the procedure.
4:15:28
